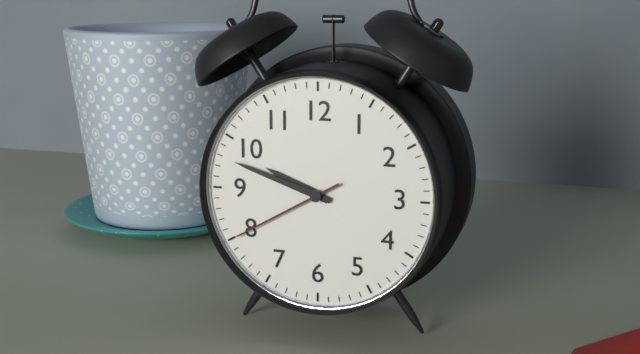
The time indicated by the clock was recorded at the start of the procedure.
9:48:40
